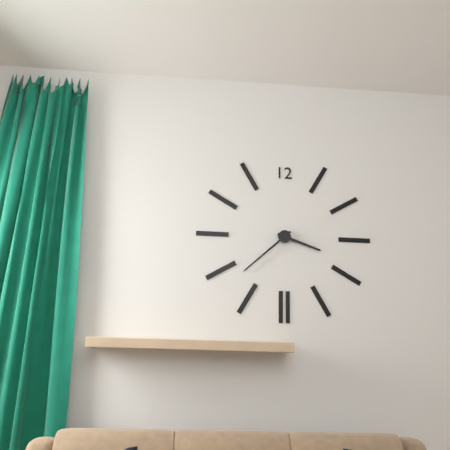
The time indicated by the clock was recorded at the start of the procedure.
3:38
